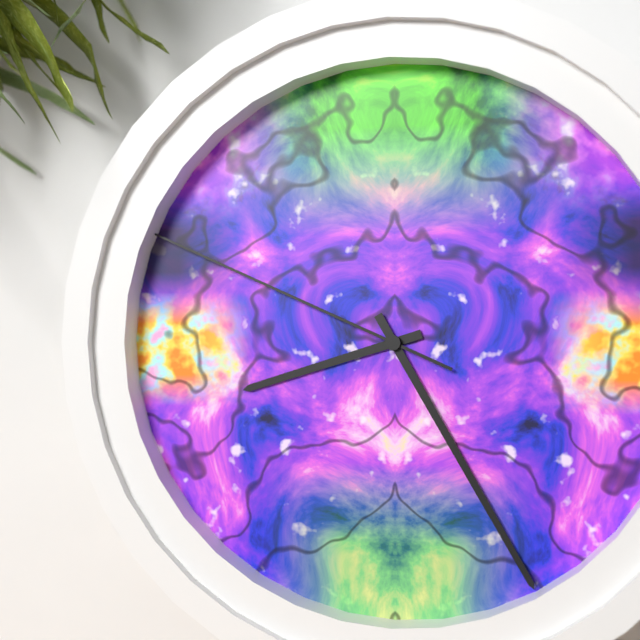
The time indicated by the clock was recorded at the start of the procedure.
8:25:49
